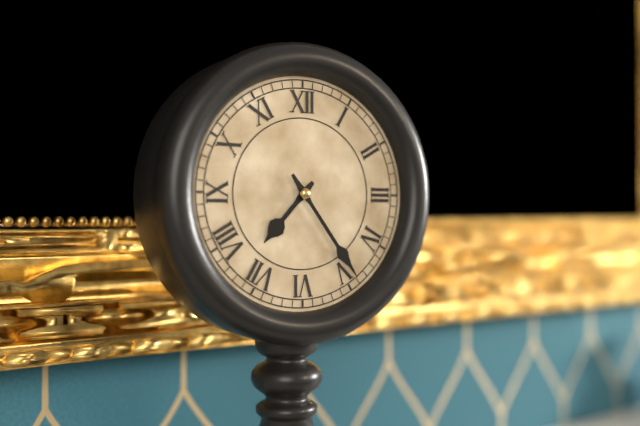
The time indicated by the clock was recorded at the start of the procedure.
7:24
